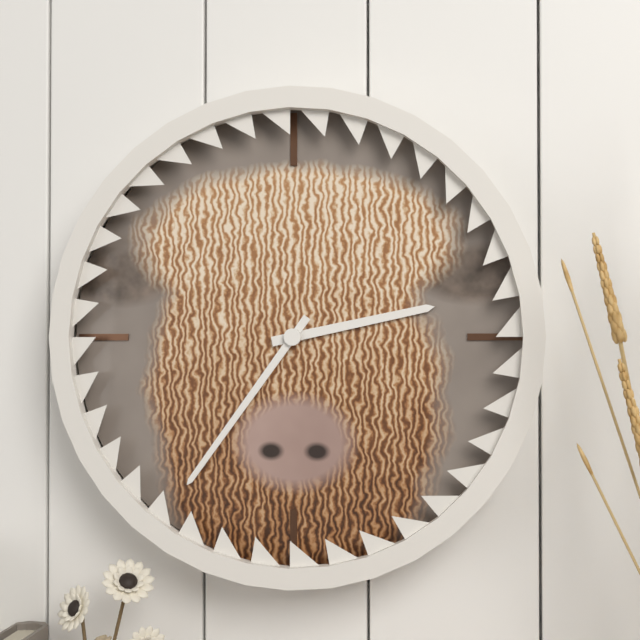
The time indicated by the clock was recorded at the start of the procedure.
2:36
